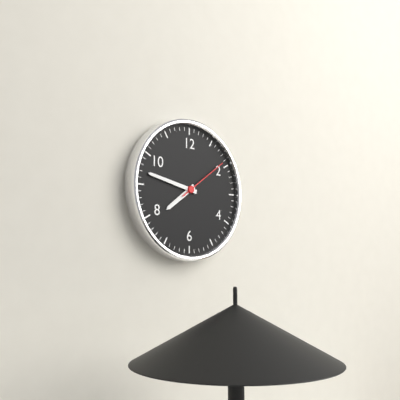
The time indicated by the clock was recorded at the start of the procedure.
7:47:09
